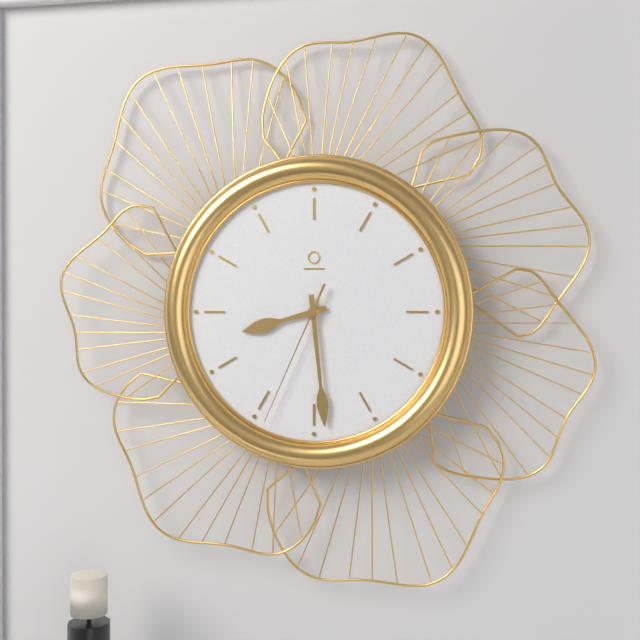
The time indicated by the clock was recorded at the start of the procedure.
8:29:34
